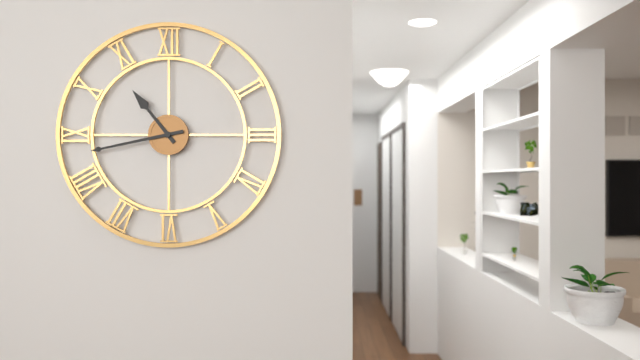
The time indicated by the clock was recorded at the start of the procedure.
10:43
